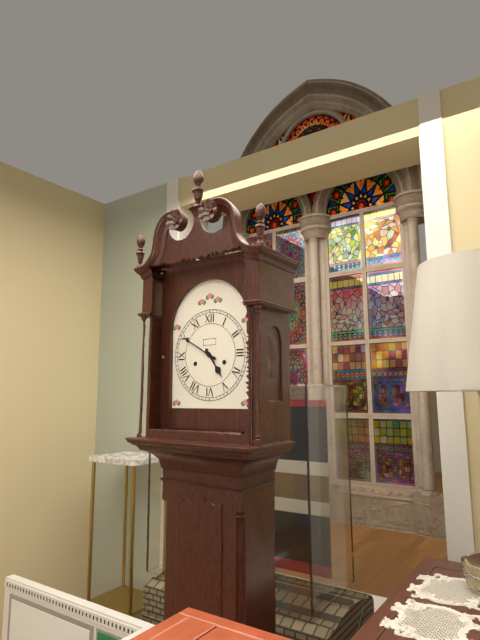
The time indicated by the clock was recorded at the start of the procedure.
4:50
